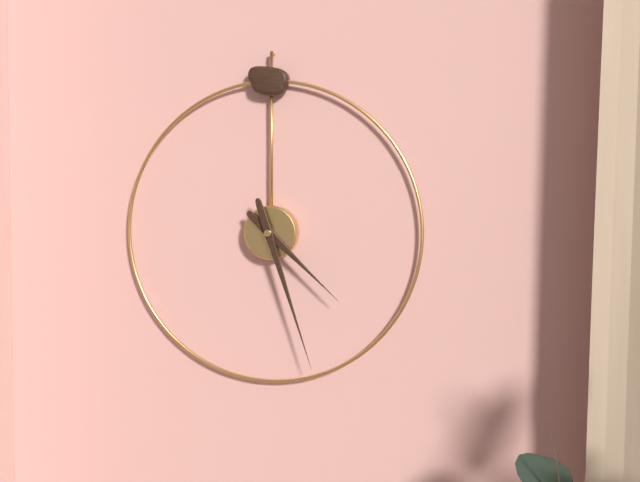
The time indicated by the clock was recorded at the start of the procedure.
4:27
